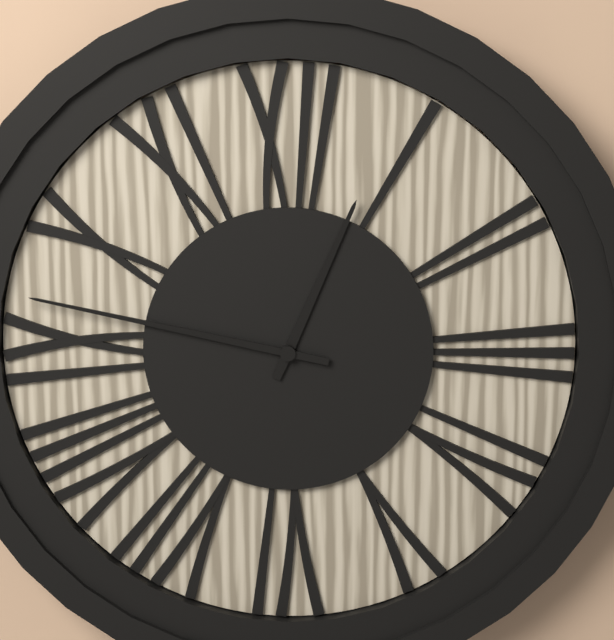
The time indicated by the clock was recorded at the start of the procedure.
12:47
